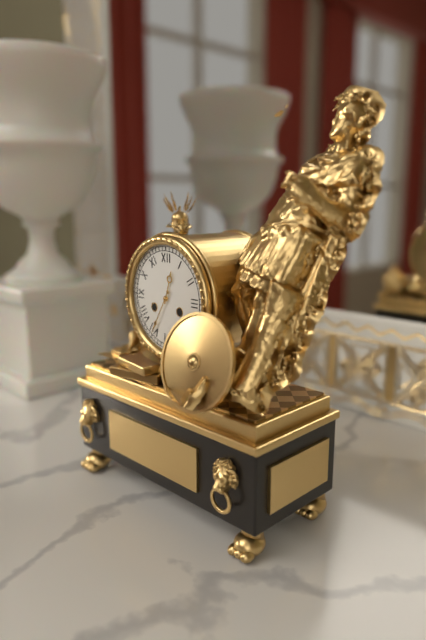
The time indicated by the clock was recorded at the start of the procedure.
12:35
